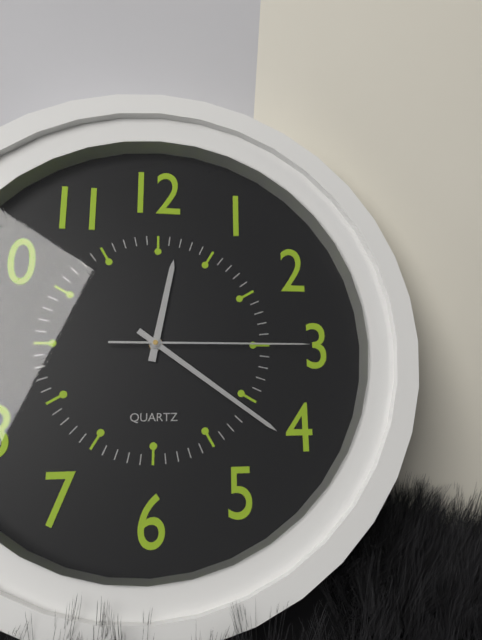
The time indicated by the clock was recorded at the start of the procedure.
12:21:15
